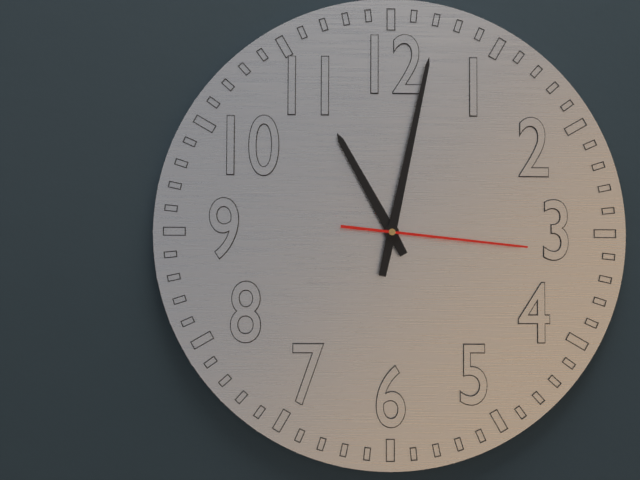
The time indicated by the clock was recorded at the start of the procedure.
11:02:16
